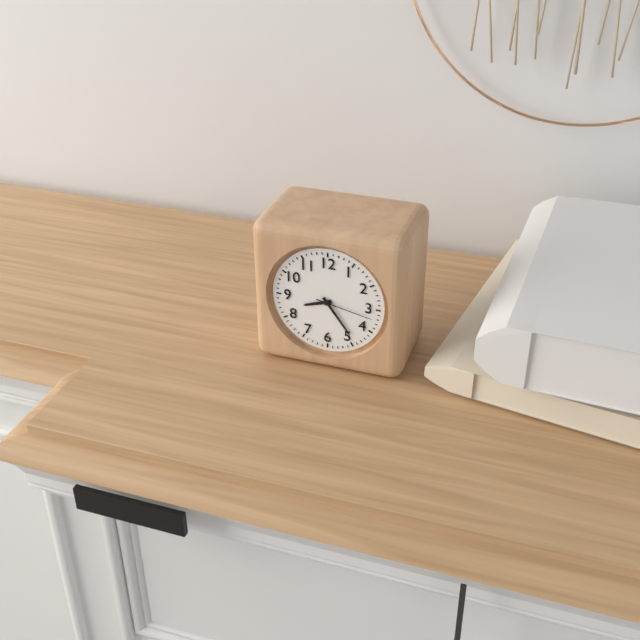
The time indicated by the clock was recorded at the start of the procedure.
8:24:17
